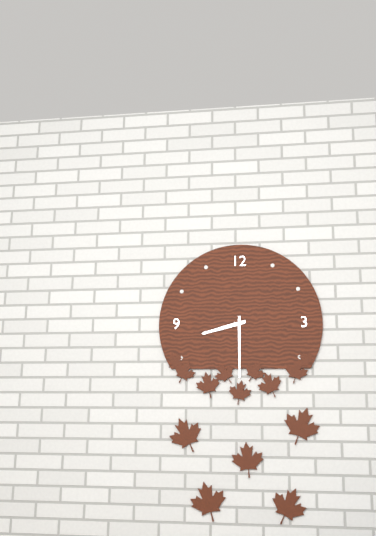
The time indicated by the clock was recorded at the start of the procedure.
8:30
